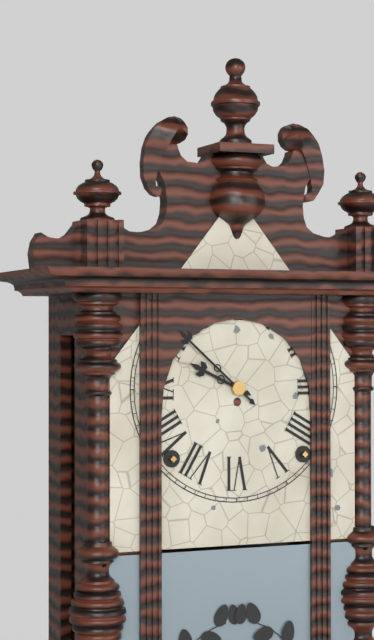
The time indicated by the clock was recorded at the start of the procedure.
9:52
